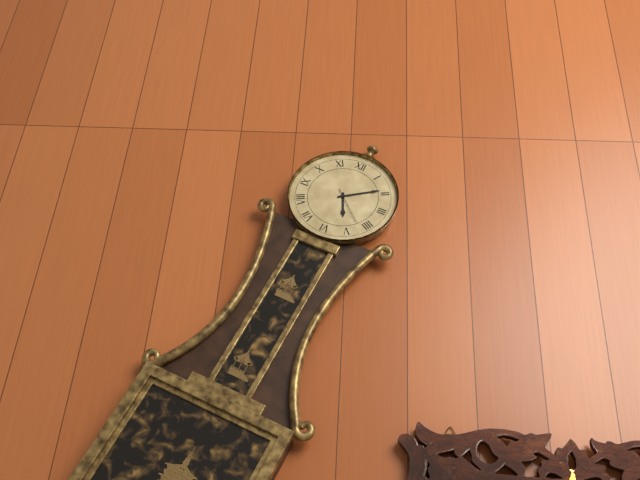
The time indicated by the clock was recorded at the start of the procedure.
5:09
